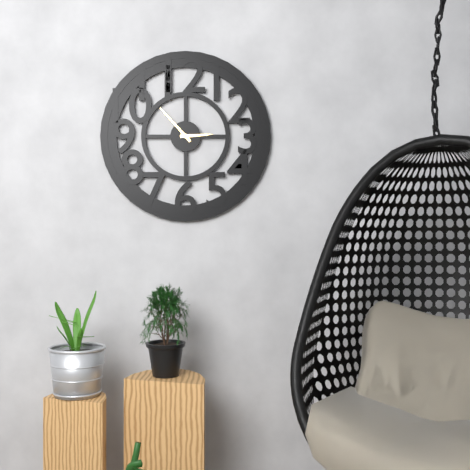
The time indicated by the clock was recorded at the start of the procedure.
2:53
